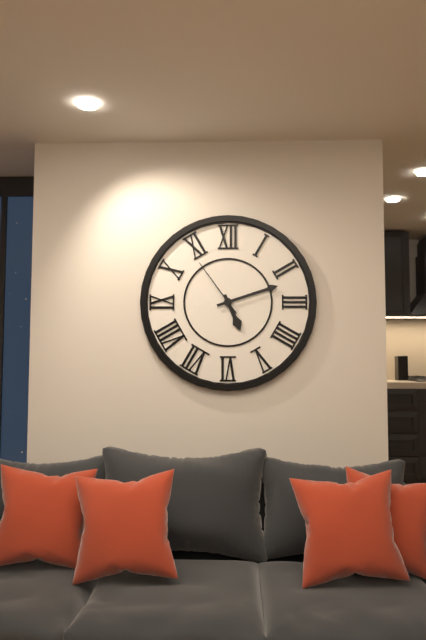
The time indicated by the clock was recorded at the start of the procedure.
5:12:54
